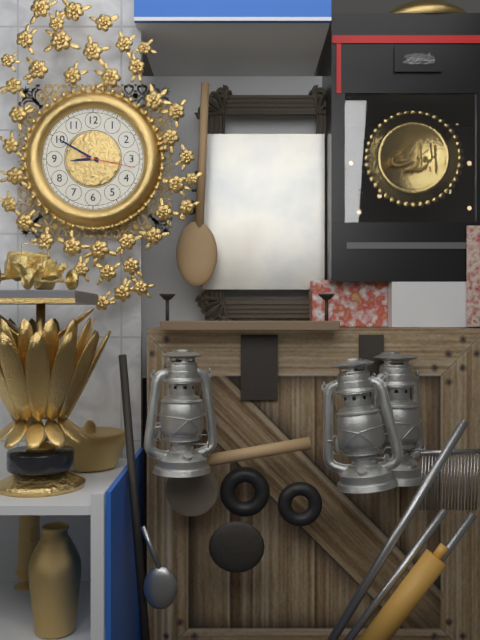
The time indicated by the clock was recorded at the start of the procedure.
8:50:17
